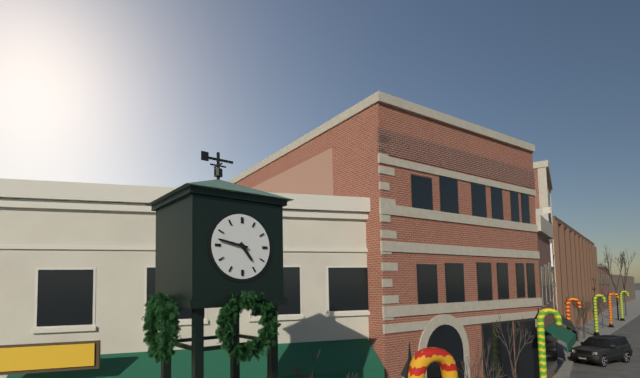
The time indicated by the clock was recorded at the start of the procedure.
4:47
